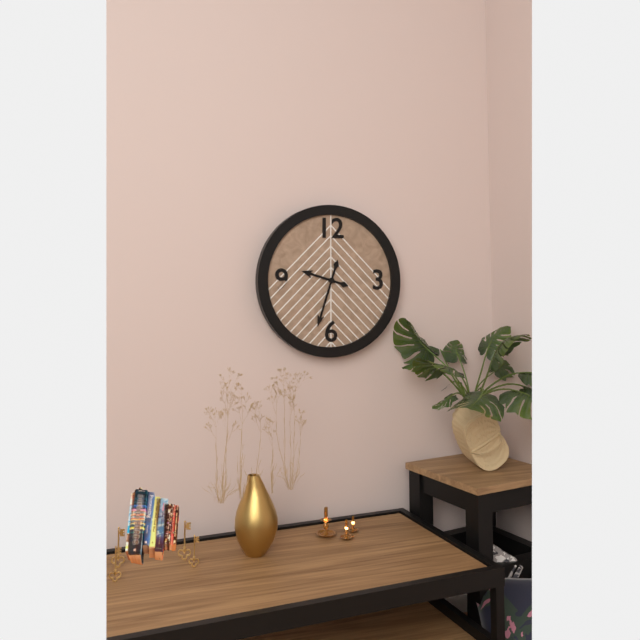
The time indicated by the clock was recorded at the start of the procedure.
9:33
